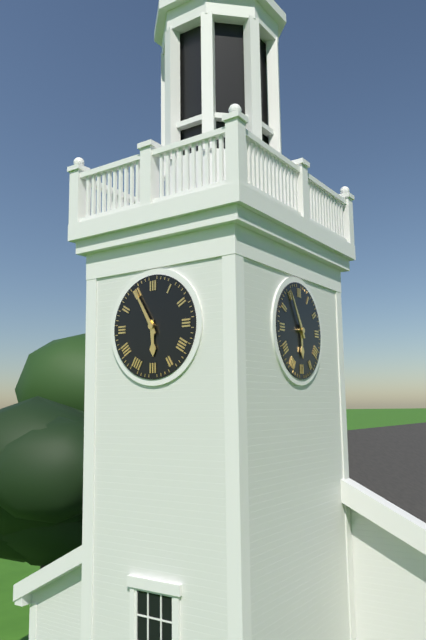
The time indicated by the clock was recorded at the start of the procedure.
5:55
